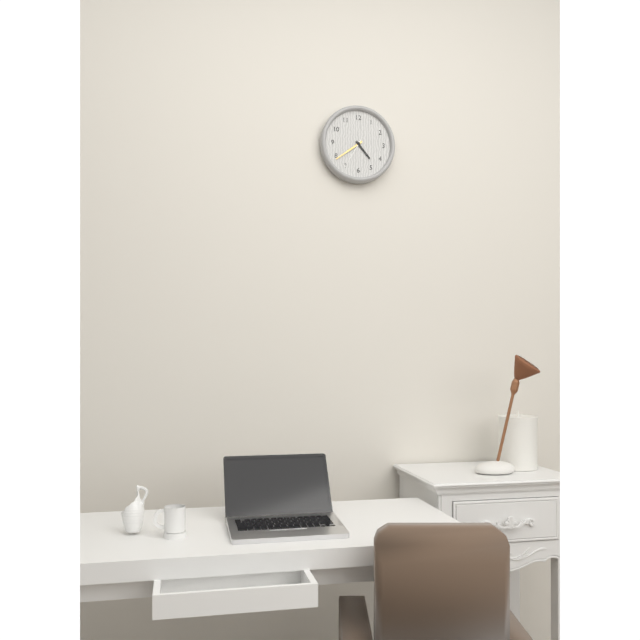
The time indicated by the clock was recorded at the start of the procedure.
4:39
